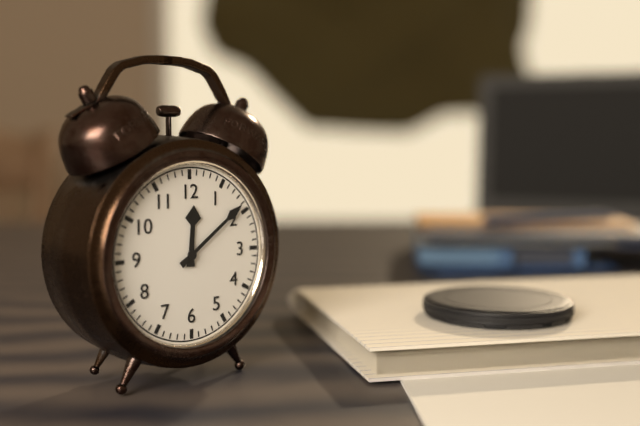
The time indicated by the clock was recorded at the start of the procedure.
12:09
